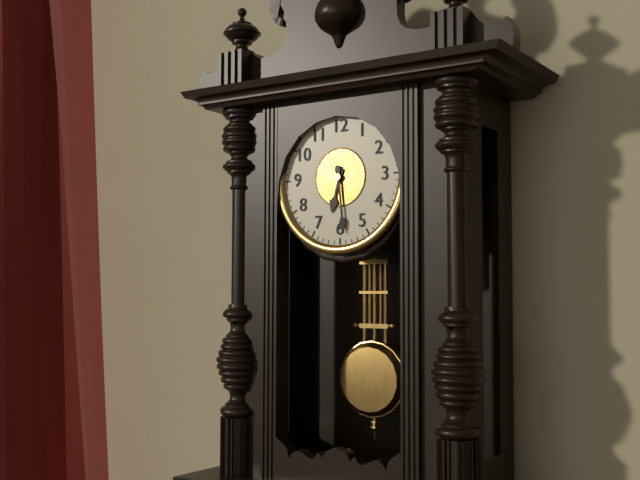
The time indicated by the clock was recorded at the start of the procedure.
6:29
